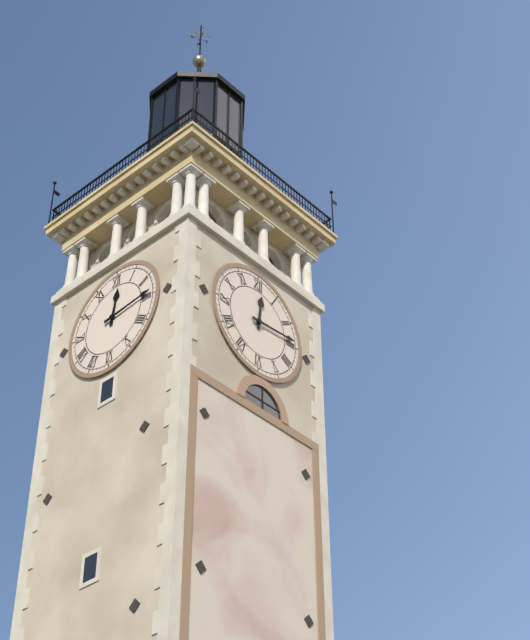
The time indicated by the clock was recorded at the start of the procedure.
12:14
